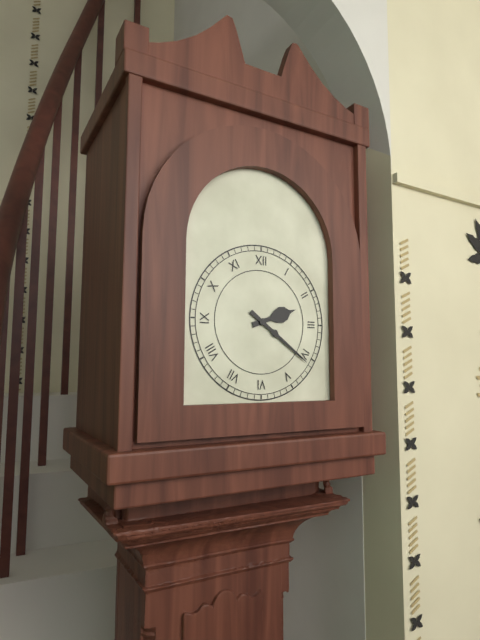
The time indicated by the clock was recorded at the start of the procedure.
2:21
